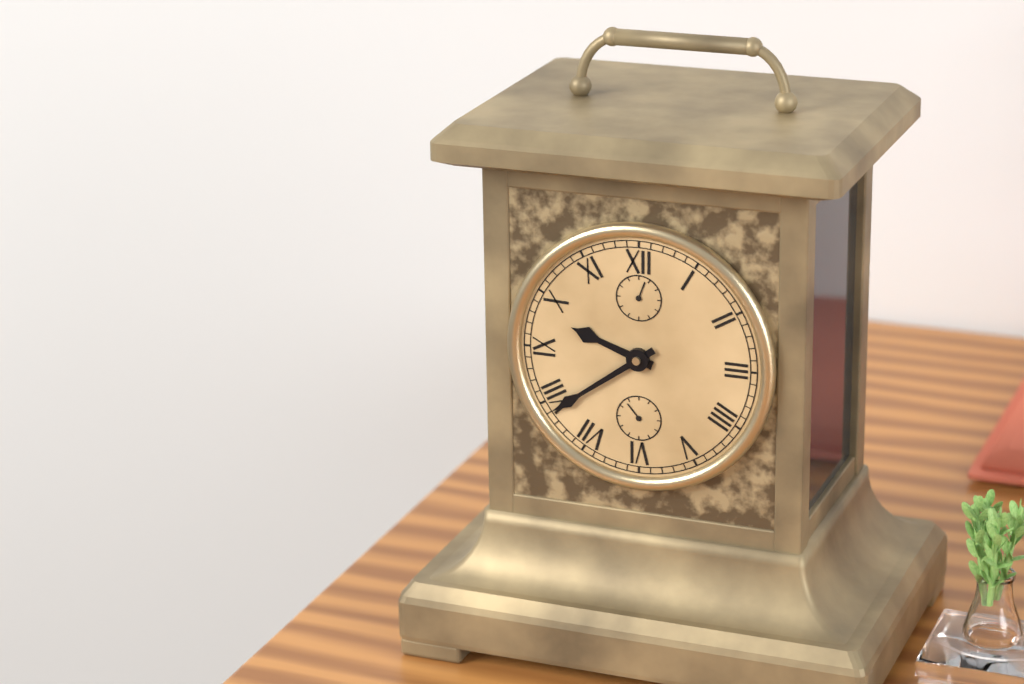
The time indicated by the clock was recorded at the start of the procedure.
9:39
